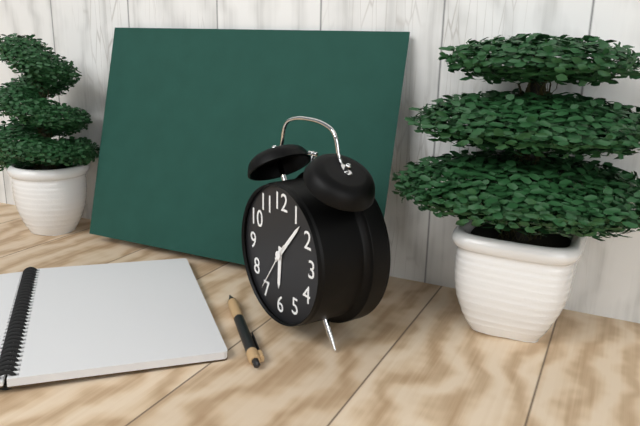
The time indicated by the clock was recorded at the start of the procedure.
6:07
